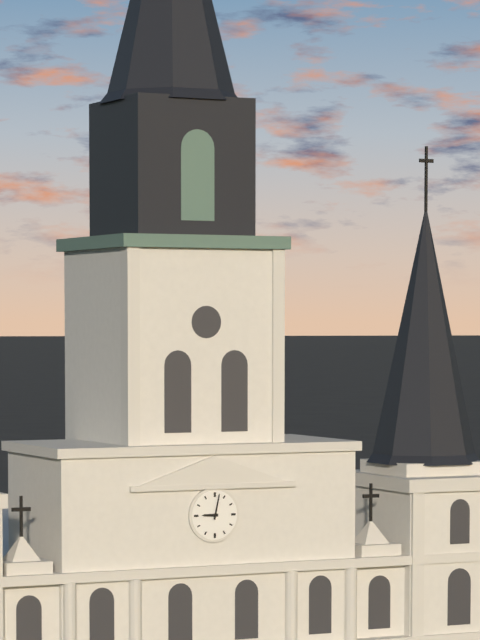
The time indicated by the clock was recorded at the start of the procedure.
9:02
